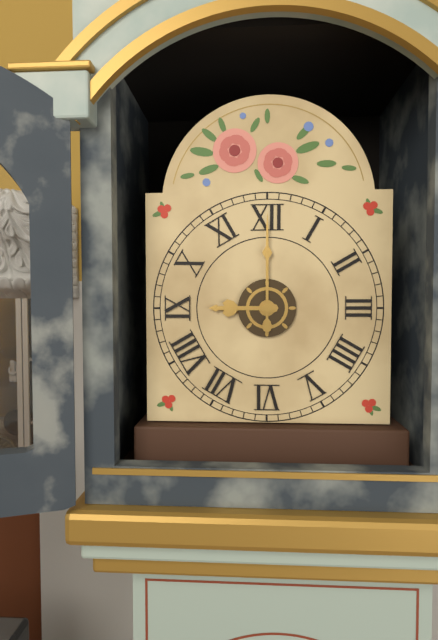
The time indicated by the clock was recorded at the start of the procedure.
9:00
